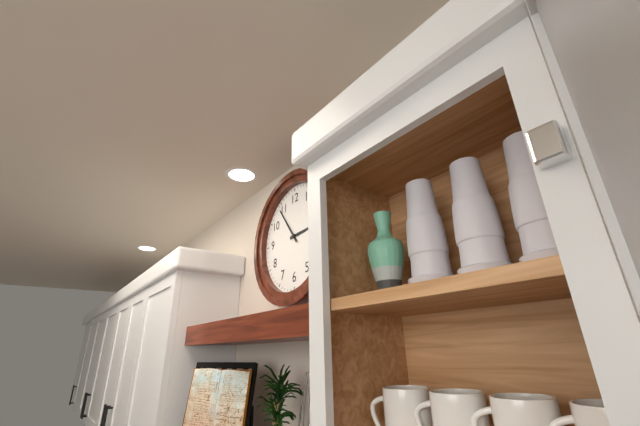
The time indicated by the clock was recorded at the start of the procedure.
2:54
